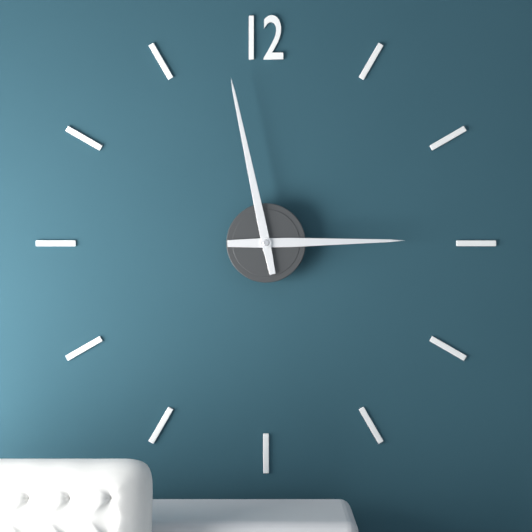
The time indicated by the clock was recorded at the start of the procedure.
2:58
